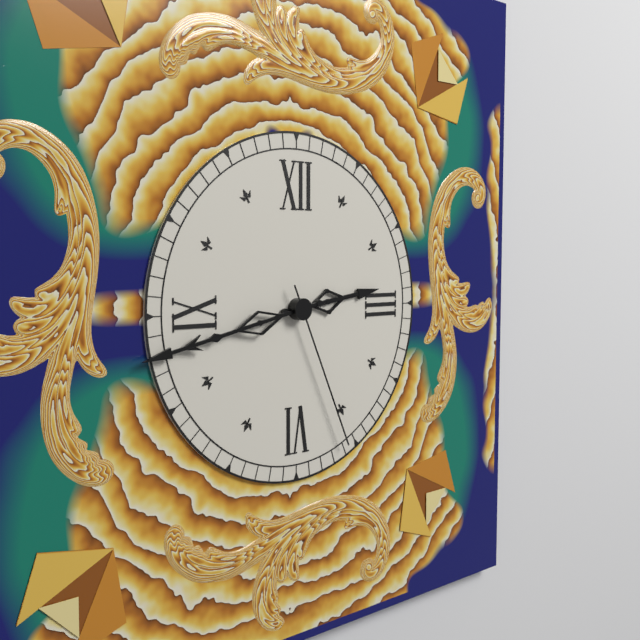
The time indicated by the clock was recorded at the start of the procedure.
2:43:26
